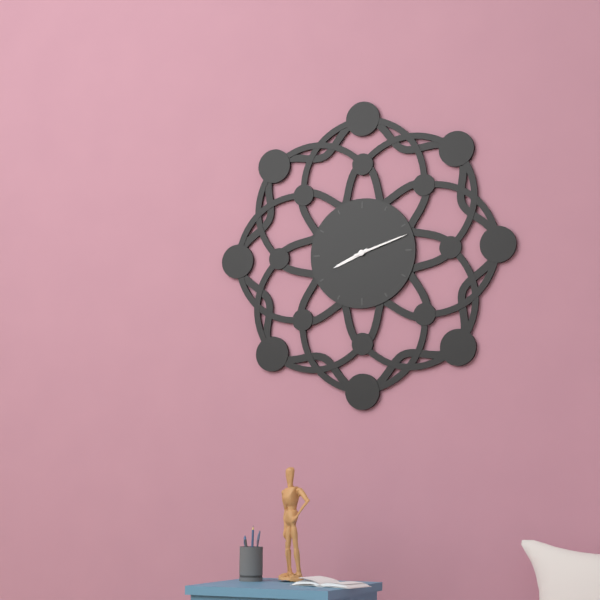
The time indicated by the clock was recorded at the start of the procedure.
8:12
